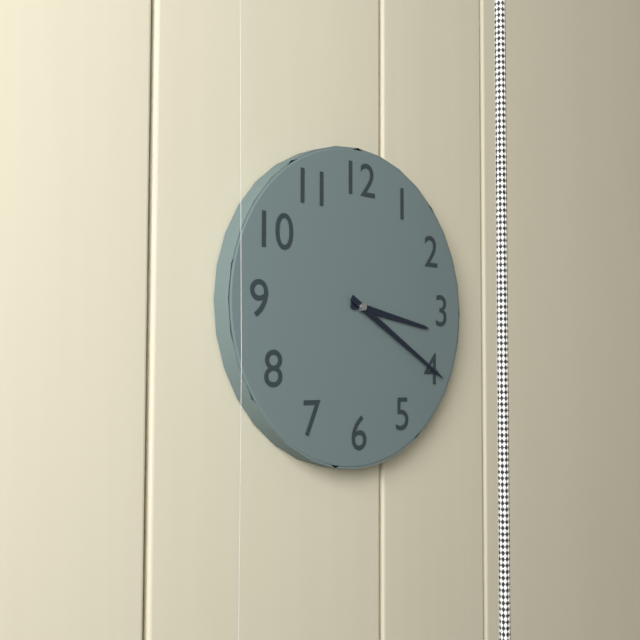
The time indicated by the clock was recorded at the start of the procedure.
3:20
